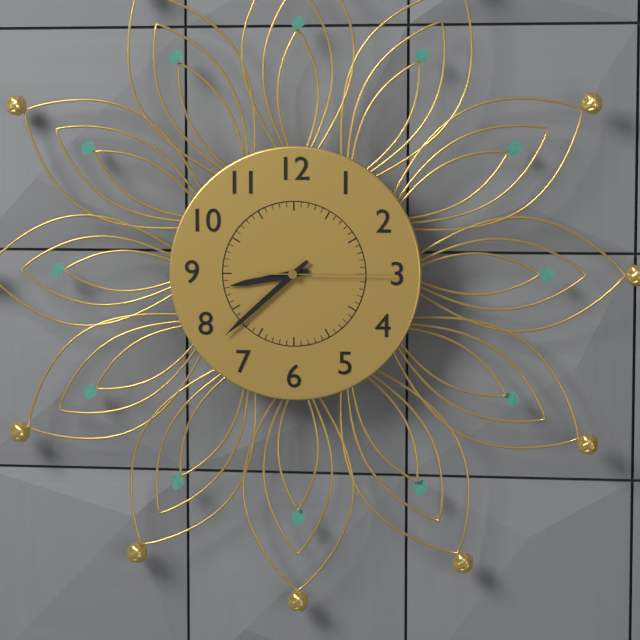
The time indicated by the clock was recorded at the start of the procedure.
8:38:15
